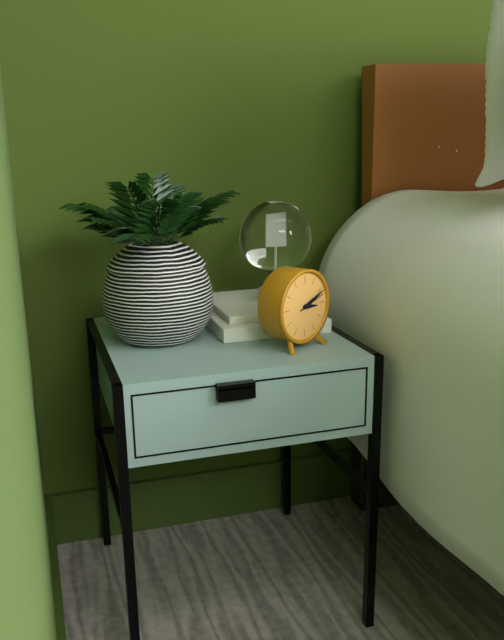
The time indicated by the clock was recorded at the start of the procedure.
3:11
